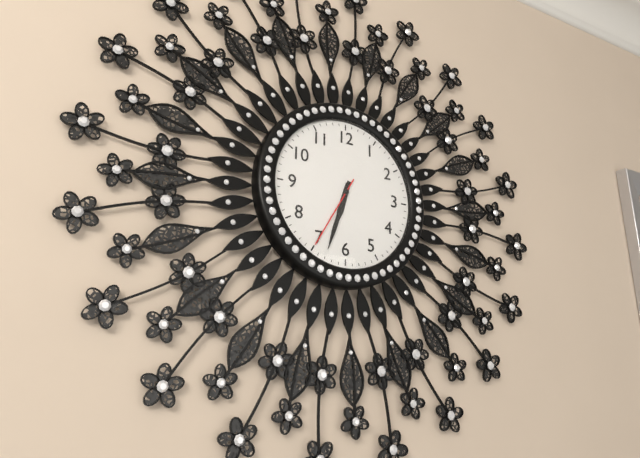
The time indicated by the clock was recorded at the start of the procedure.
6:33:35
